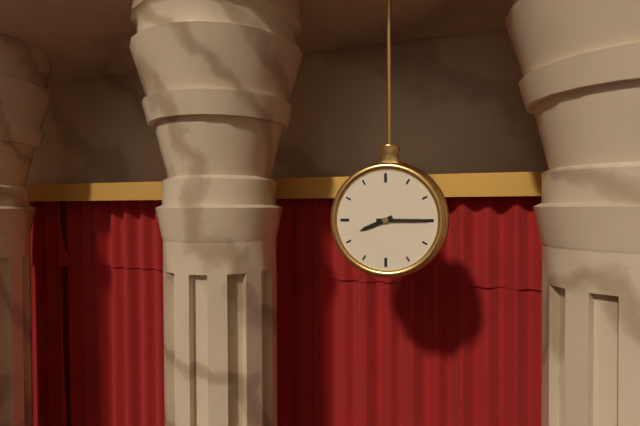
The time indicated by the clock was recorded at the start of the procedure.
8:15
